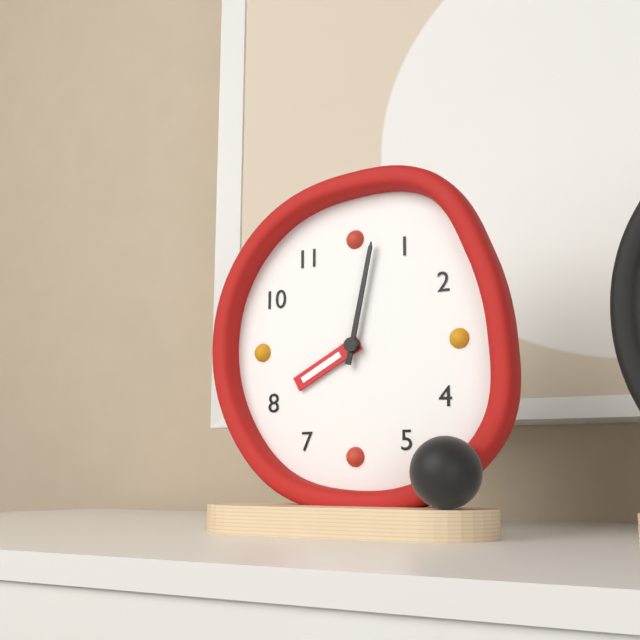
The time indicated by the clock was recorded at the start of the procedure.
8:02
